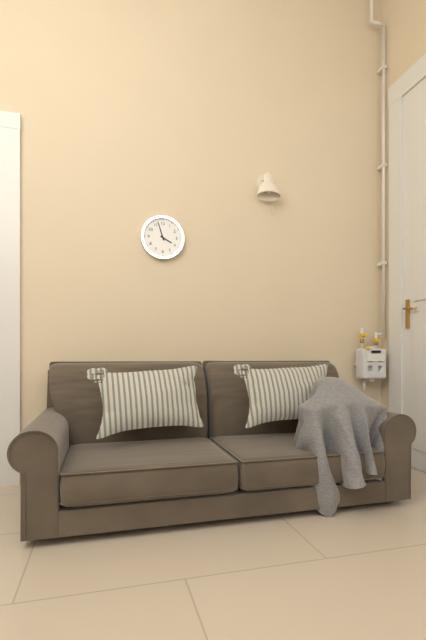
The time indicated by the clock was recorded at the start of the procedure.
3:57
